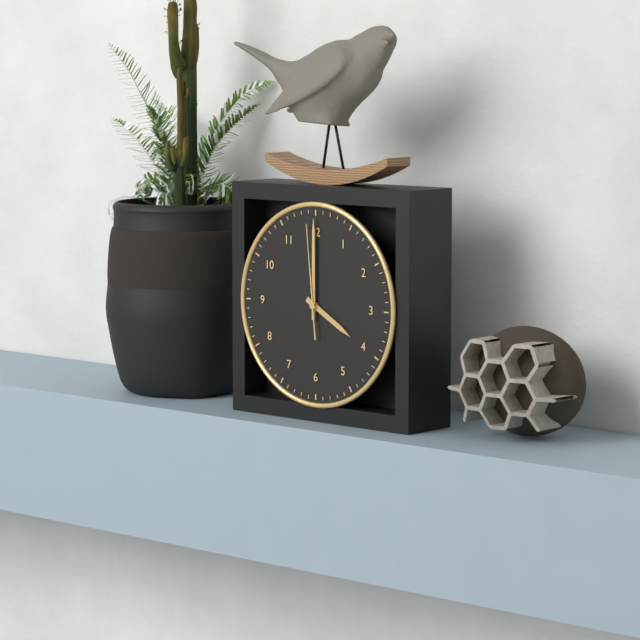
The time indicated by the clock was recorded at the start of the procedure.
4:00:59
